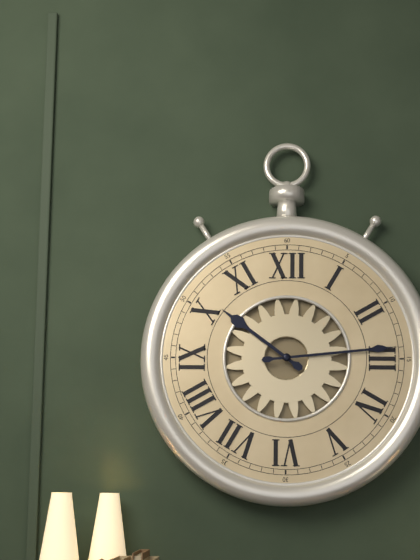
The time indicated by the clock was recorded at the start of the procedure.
10:14
